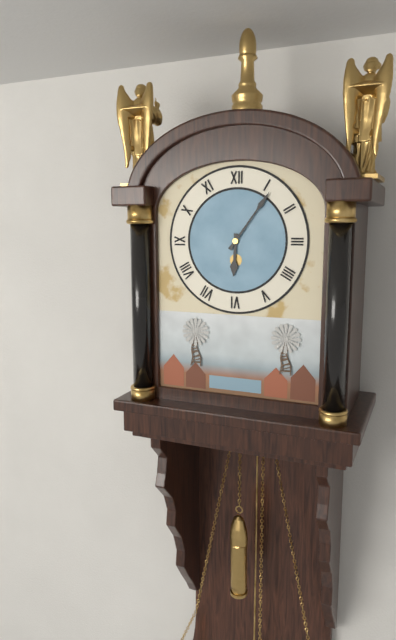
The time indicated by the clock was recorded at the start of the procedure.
6:06
